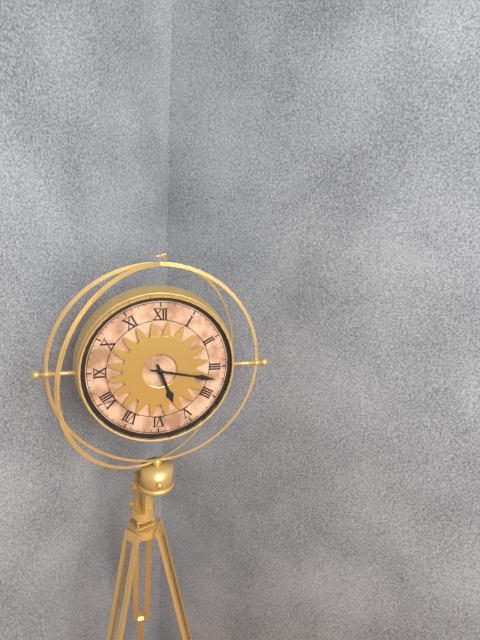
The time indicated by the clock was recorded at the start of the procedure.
5:17
